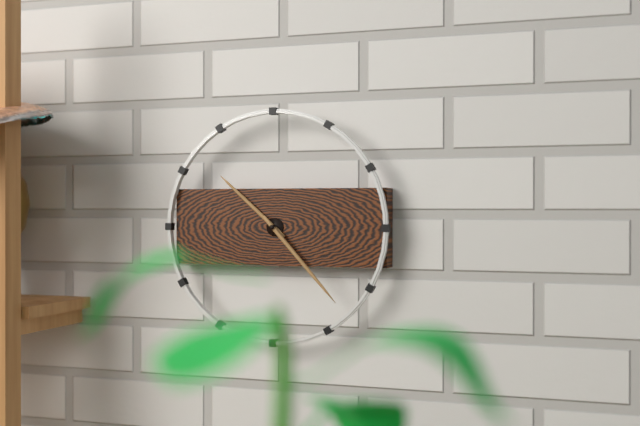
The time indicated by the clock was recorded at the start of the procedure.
10:23
